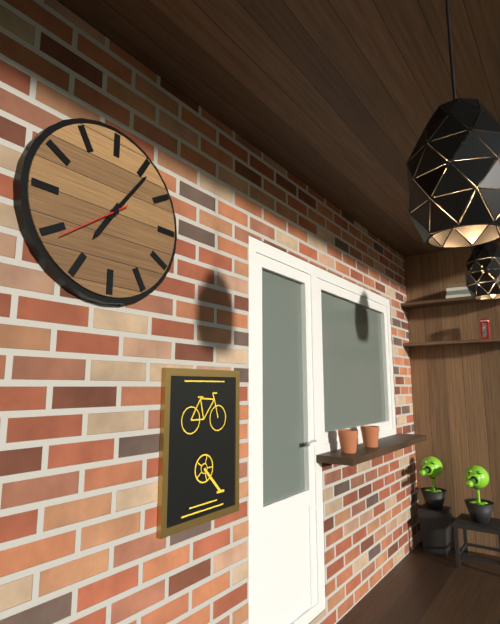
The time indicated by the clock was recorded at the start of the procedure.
7:06:39
